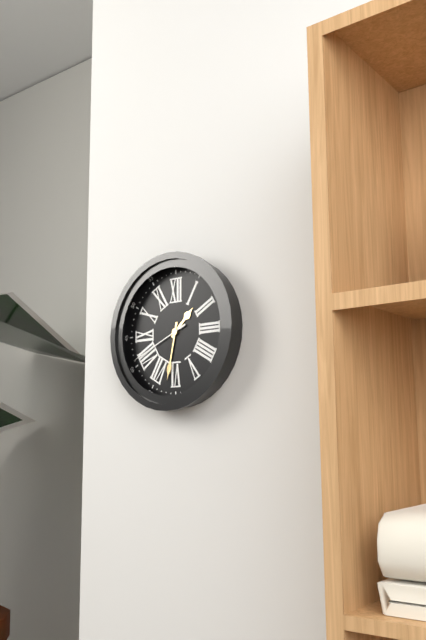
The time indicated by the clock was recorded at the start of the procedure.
1:32:41
